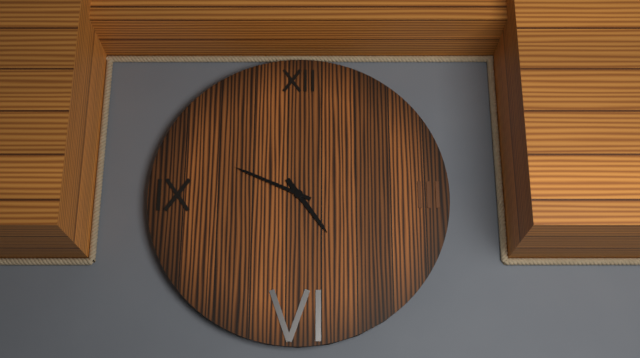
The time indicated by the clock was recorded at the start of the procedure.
4:49
